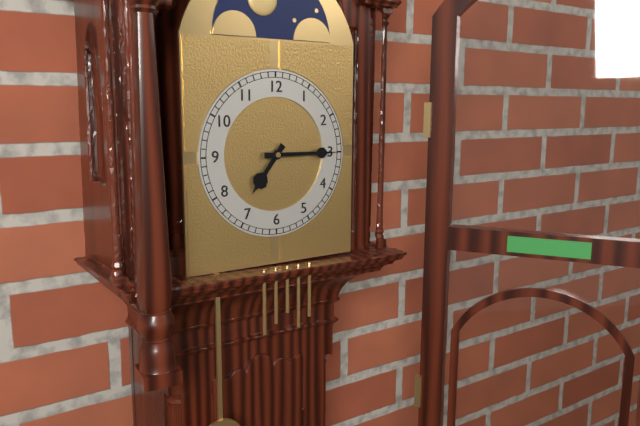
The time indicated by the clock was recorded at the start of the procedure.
7:15
